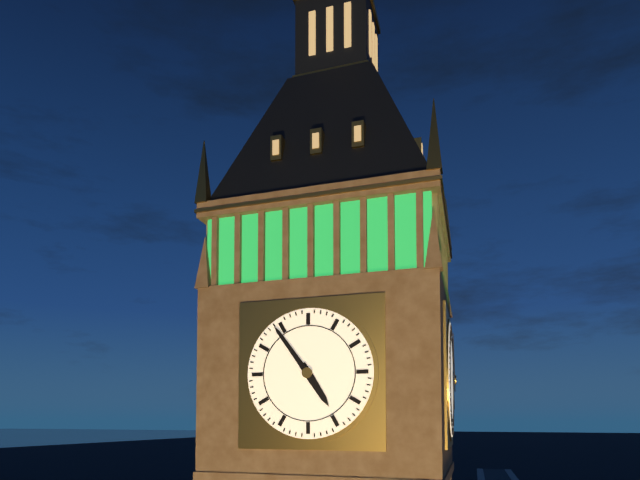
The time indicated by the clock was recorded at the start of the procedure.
4:54
